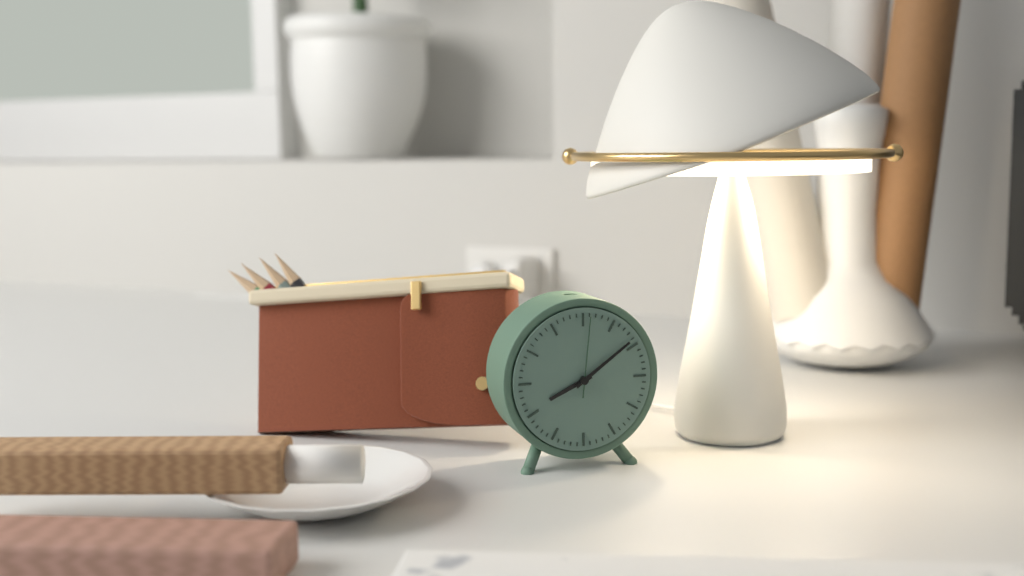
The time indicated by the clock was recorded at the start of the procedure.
8:09:01
